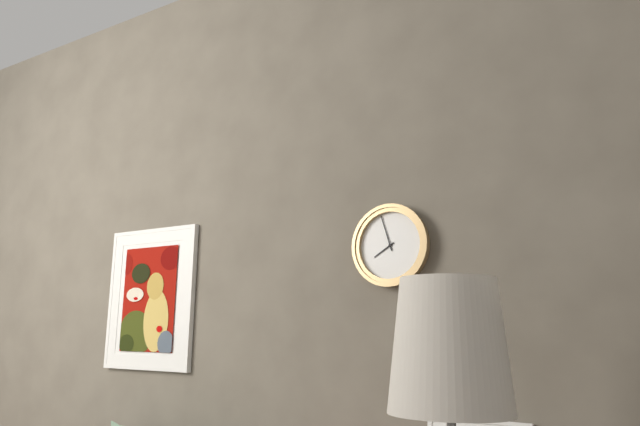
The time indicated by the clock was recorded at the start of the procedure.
7:57
